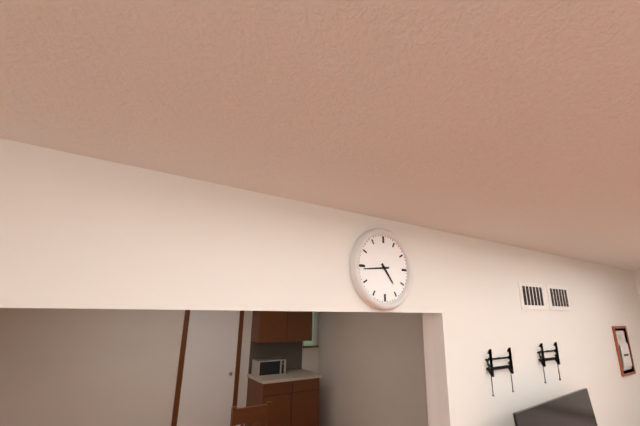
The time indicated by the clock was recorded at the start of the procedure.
4:44
